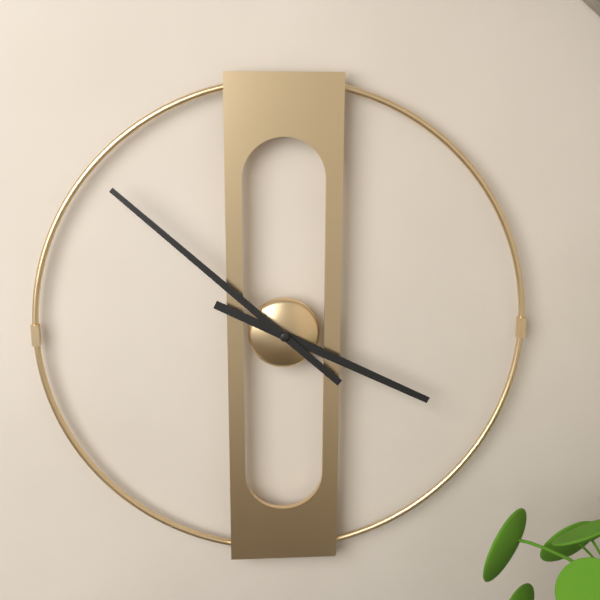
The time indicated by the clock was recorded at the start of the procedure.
3:52
